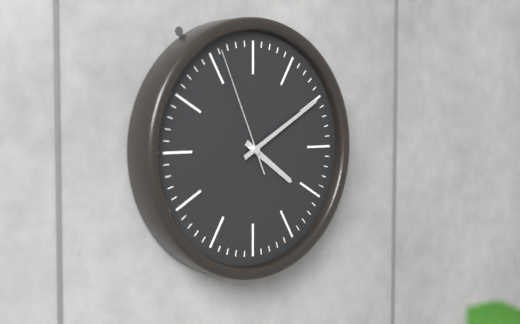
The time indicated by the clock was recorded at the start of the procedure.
4:10:56
